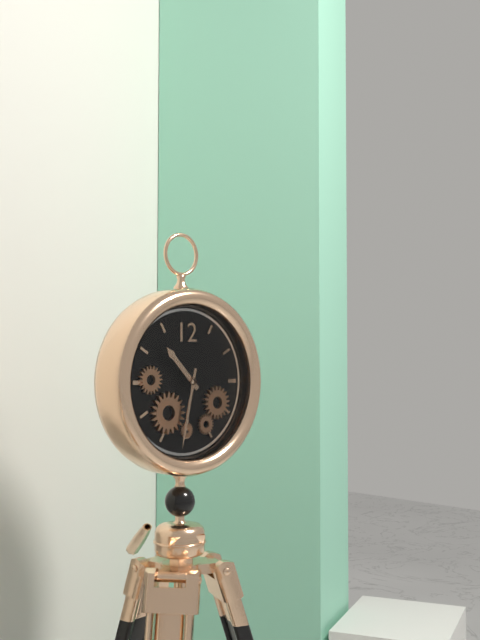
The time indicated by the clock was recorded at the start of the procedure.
10:32
